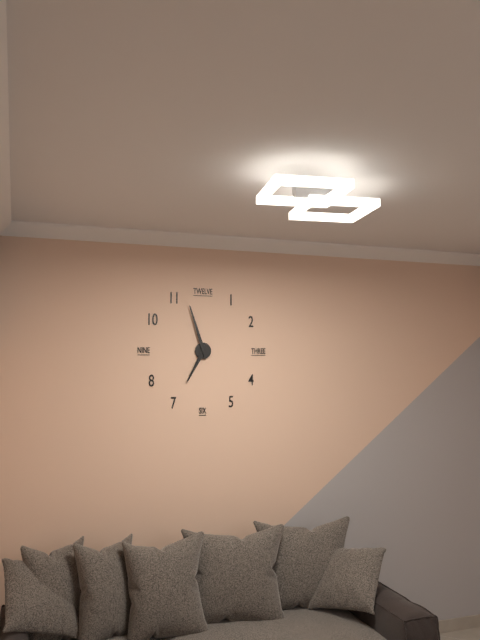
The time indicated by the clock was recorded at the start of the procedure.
6:57
